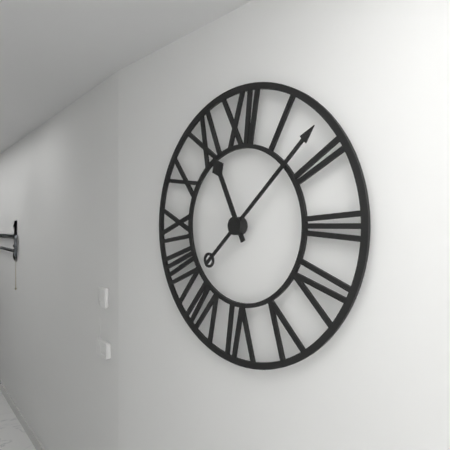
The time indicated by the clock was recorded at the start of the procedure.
11:08
